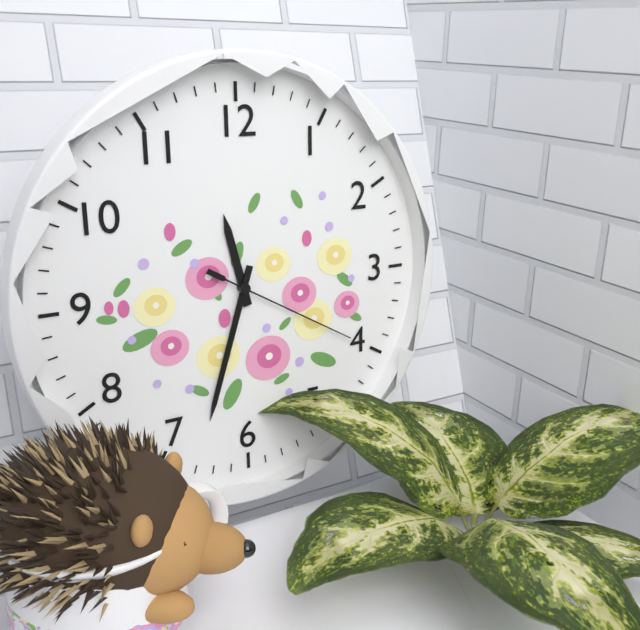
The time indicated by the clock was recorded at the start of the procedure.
11:33:20
